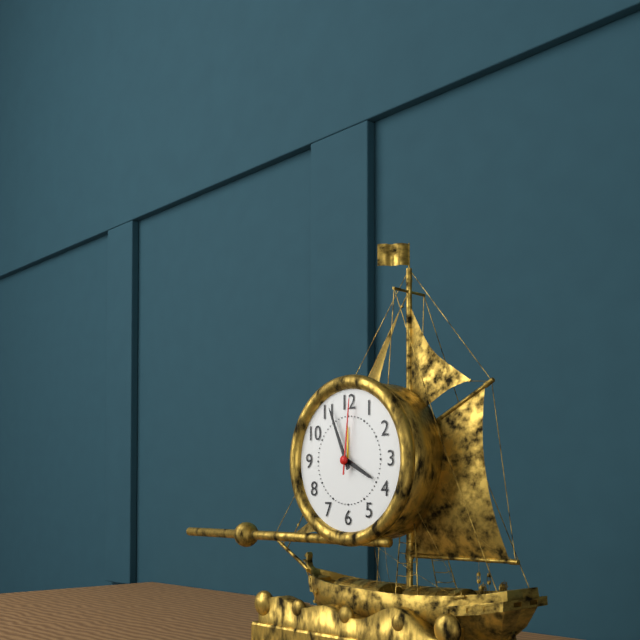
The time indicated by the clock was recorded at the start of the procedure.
3:56:01
